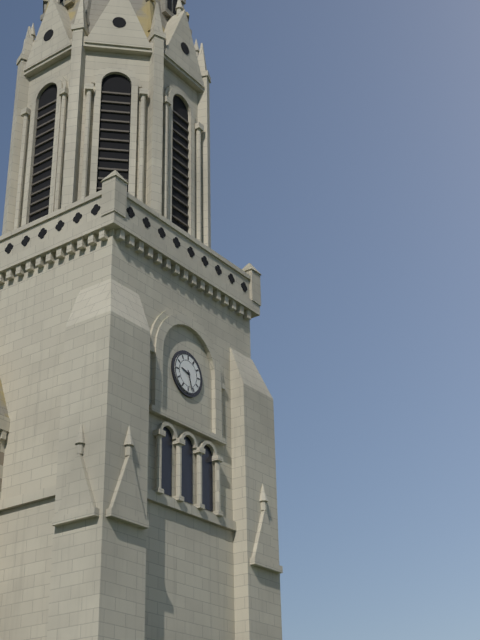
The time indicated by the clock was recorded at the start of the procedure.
9:27
